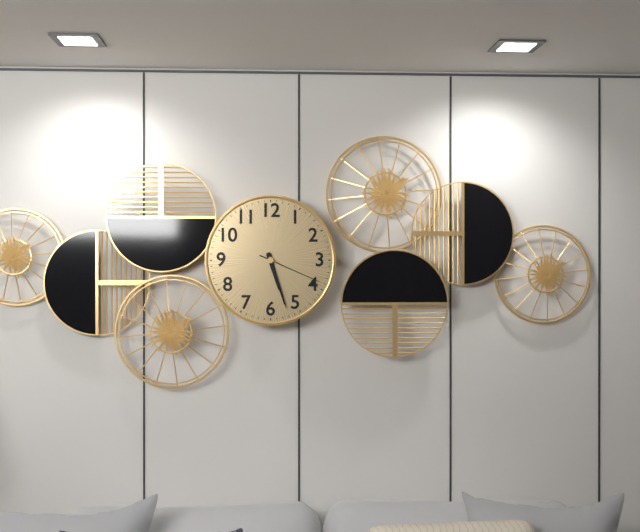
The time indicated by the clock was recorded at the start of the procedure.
5:27:19
